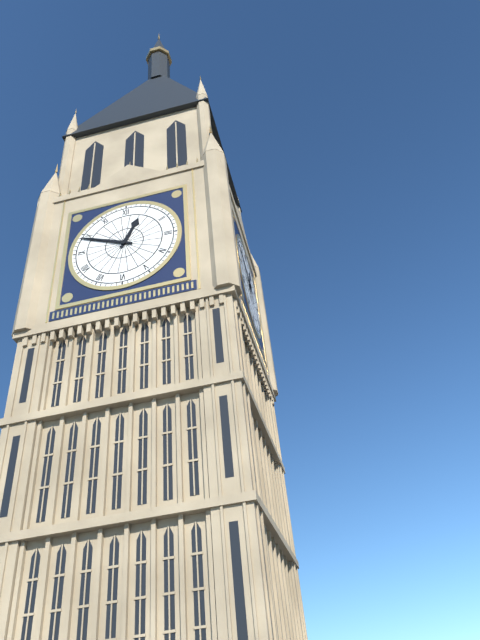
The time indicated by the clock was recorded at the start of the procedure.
12:49
